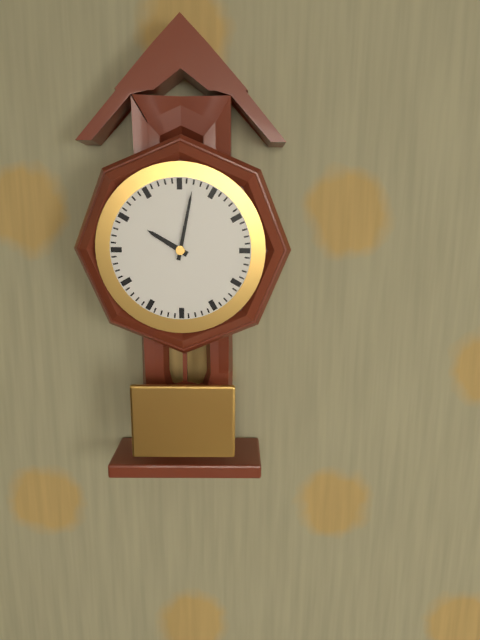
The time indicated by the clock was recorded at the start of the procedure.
10:02
